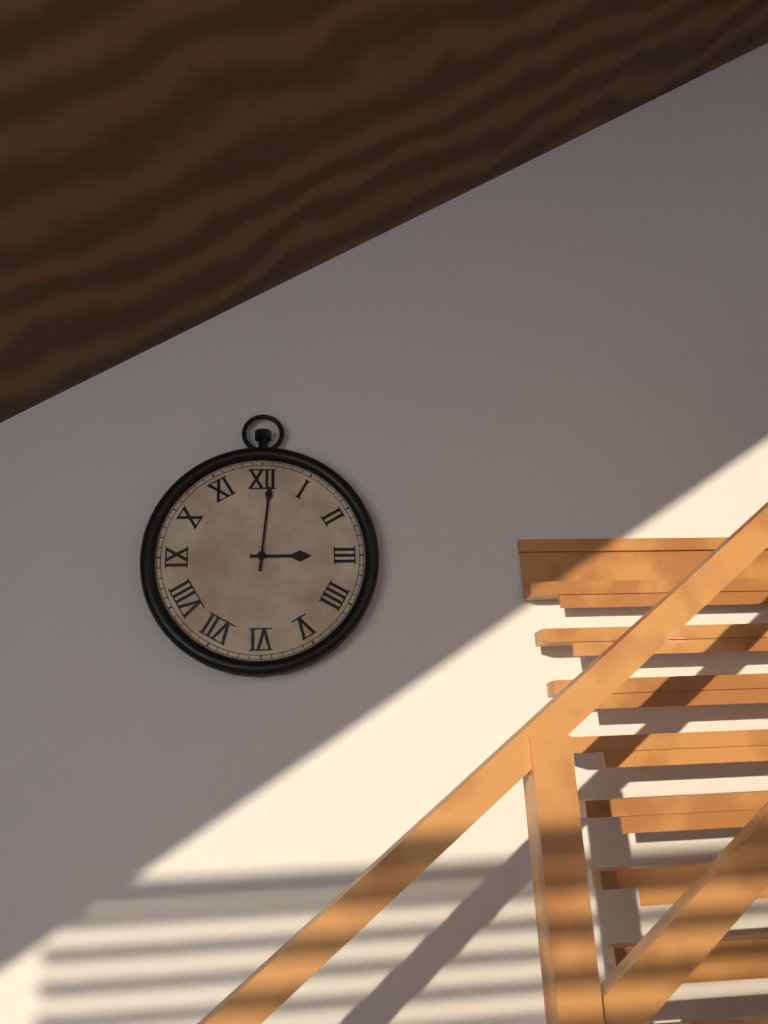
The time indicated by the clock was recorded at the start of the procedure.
3:01
